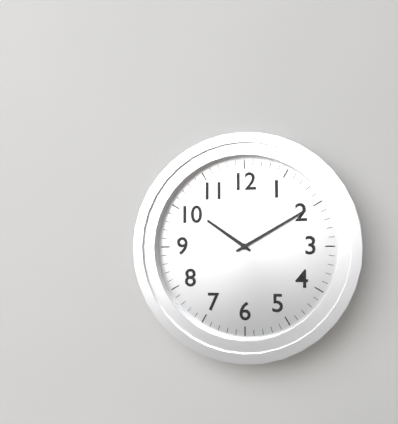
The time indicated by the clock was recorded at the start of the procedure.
10:10
